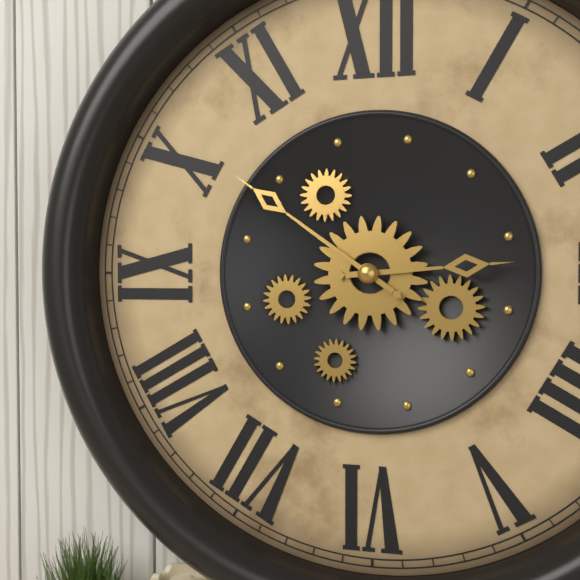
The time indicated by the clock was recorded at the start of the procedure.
2:51
